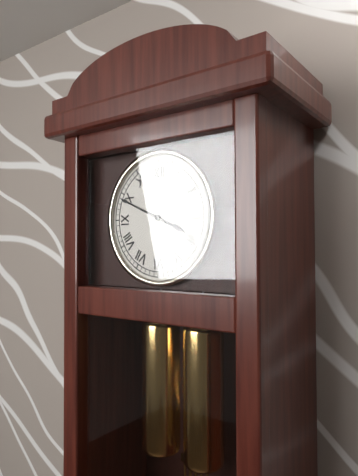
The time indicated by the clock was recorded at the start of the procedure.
3:49
